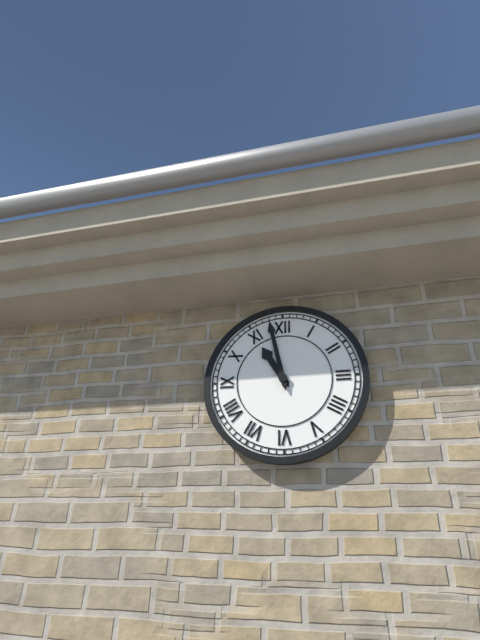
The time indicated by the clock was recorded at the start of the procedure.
10:58
